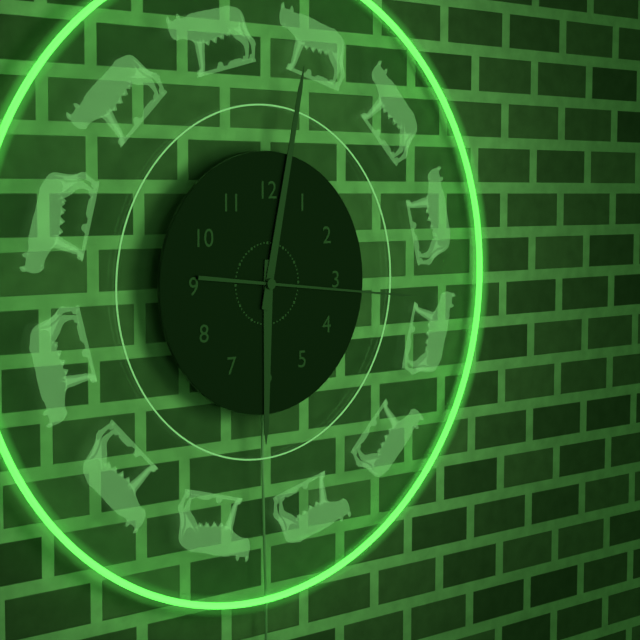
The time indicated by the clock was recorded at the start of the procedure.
6:02:16
